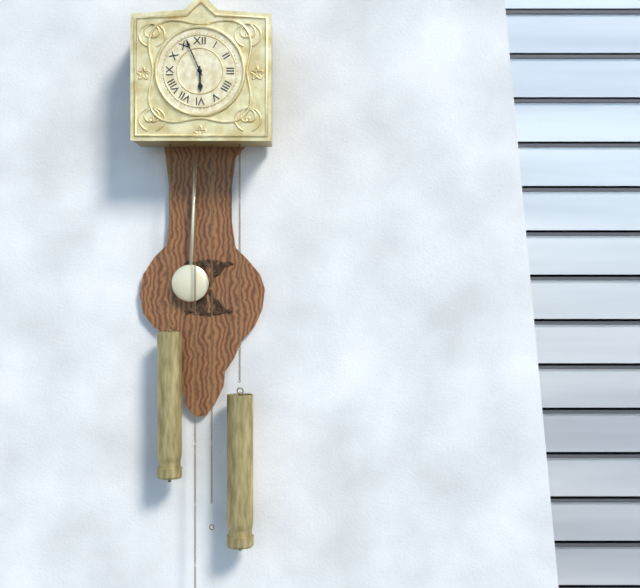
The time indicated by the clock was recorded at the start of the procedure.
5:56
